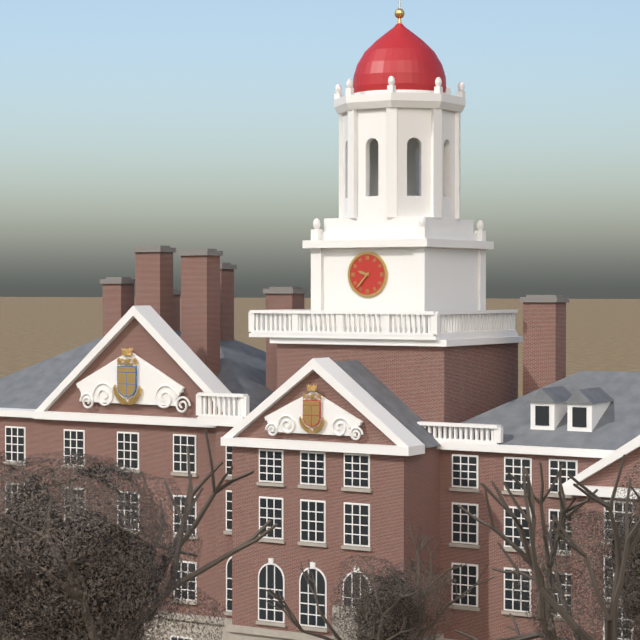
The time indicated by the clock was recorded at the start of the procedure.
9:37
